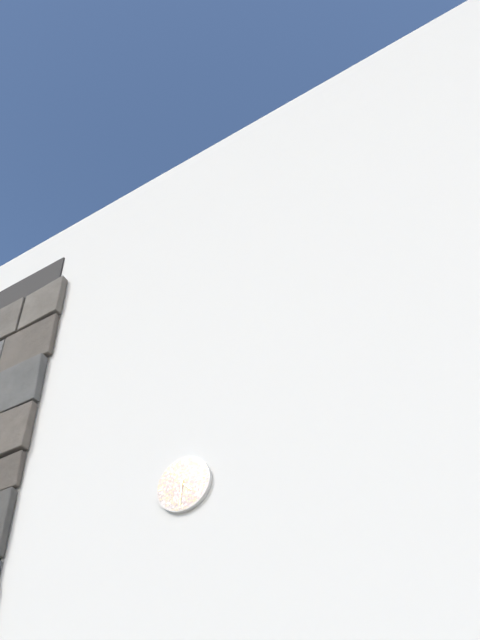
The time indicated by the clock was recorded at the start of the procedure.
4:31
